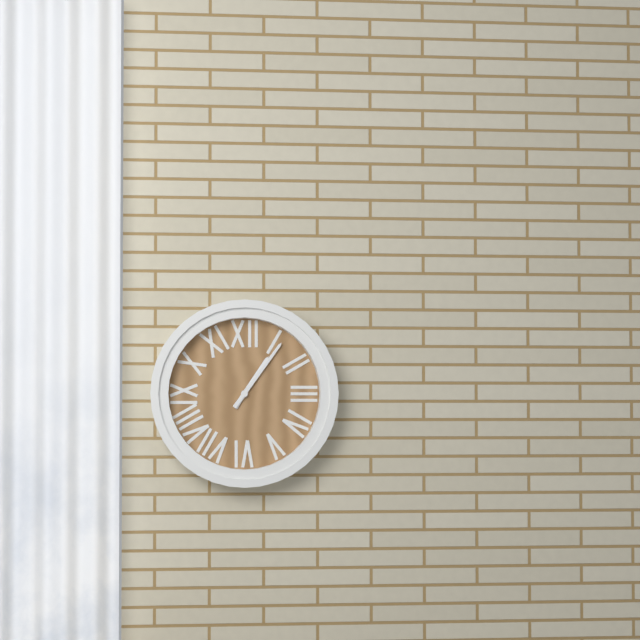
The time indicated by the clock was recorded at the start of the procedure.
1:06
